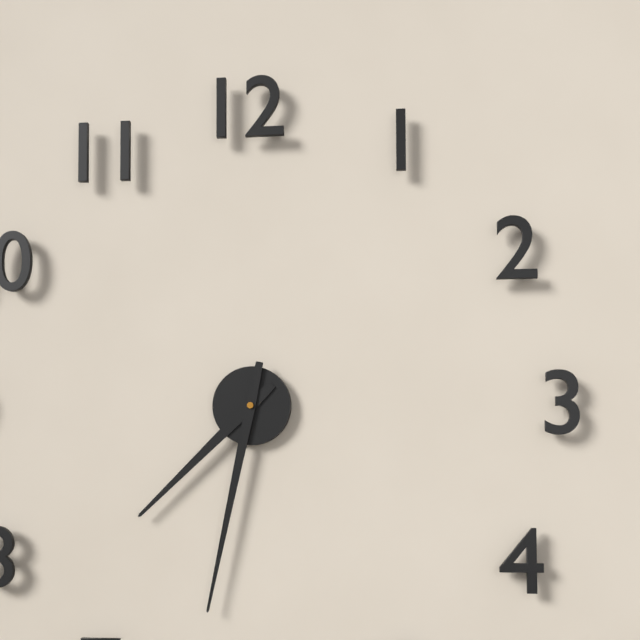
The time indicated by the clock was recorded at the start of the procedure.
7:32
